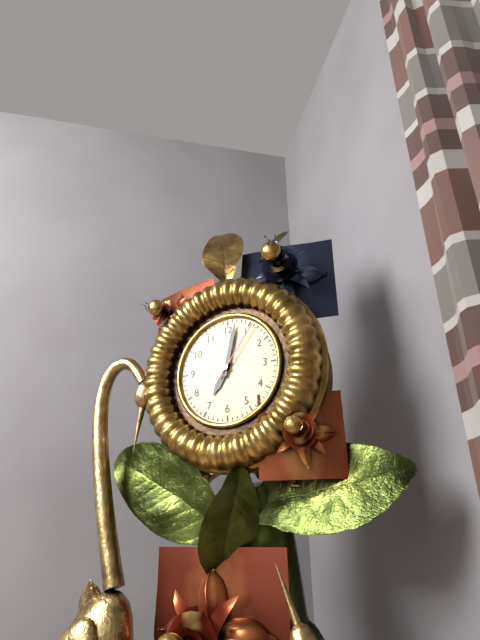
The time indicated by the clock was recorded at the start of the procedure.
7:02:06
